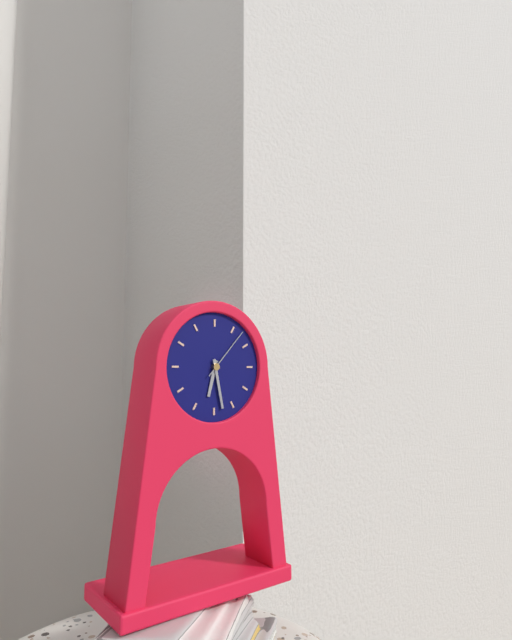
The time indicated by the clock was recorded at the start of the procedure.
6:28:07
